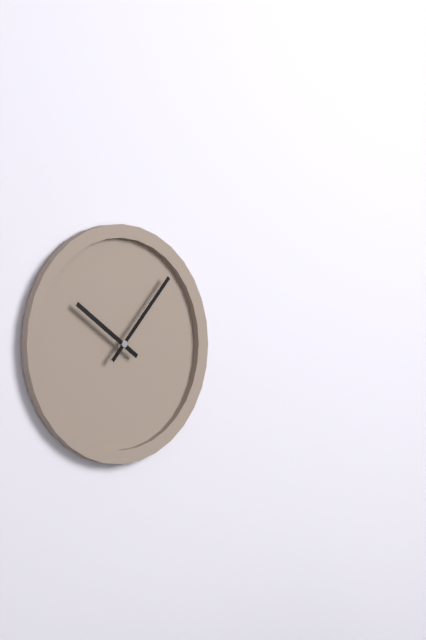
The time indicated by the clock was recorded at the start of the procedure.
10:07
